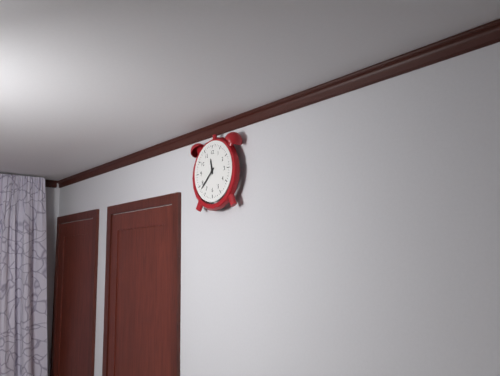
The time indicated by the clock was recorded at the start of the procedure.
11:38
